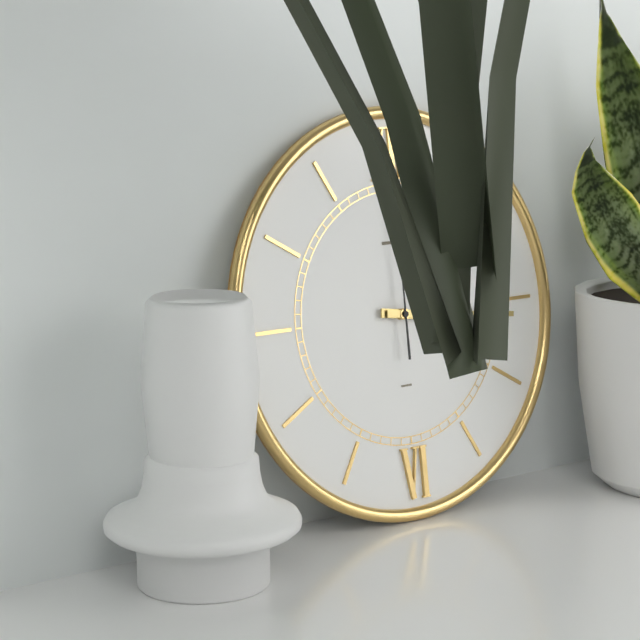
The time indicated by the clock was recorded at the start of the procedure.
3:16:00
